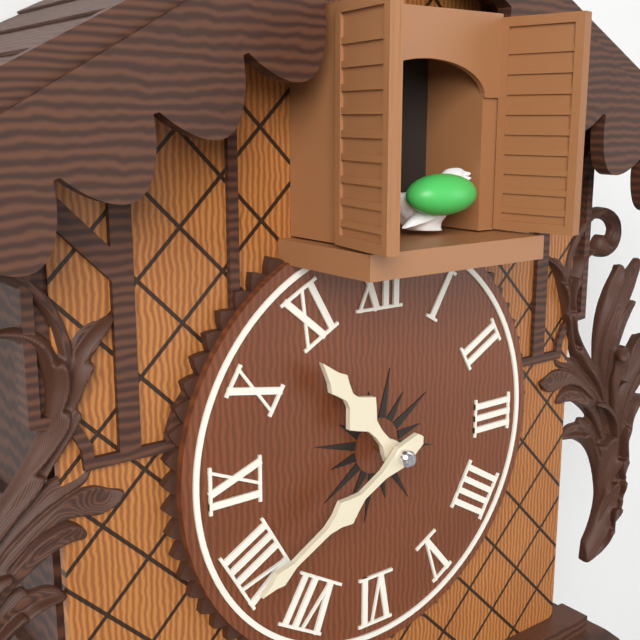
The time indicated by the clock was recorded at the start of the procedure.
10:40
